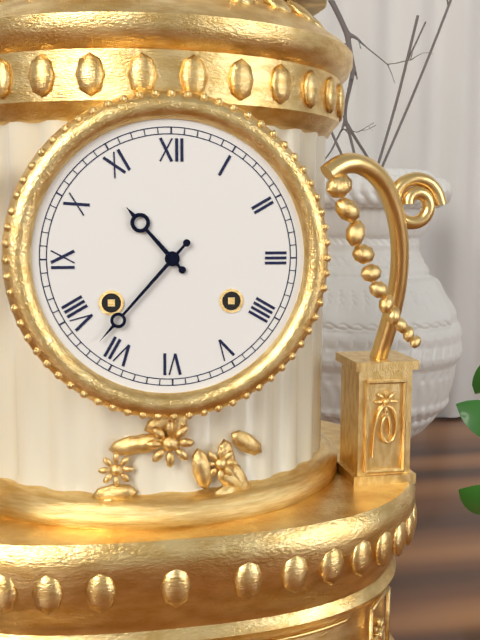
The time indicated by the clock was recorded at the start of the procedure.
10:37
